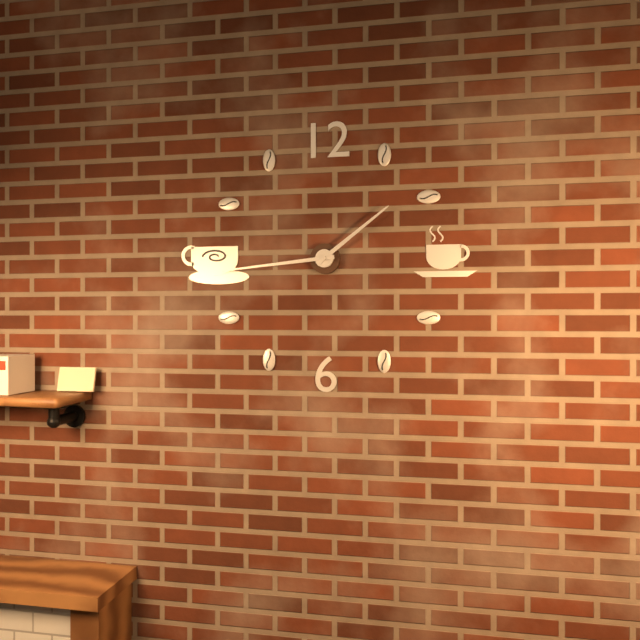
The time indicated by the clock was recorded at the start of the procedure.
1:44
